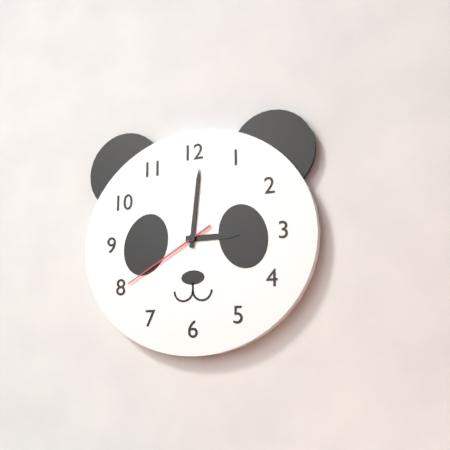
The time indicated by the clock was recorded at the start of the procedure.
3:01:40
